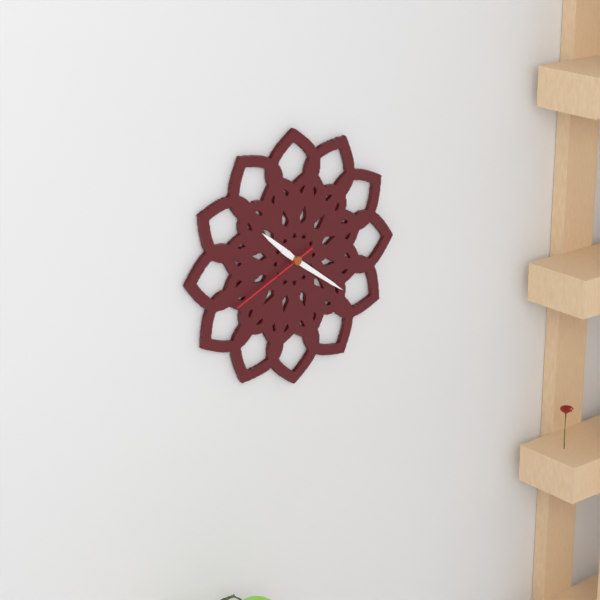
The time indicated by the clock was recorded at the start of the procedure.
10:21:41
